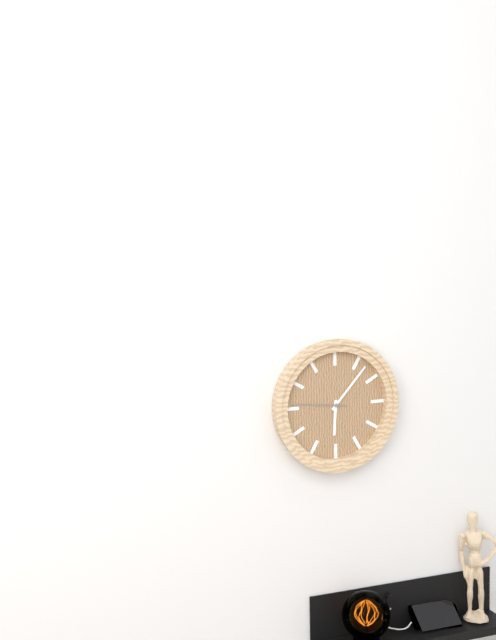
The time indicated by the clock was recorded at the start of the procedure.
6:07:46
